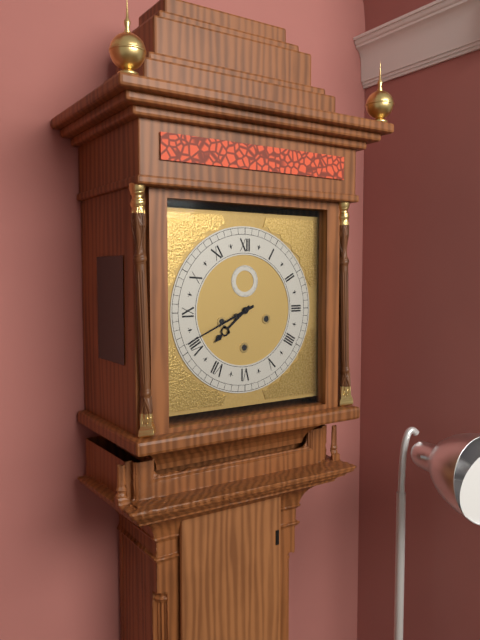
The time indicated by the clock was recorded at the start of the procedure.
7:41
